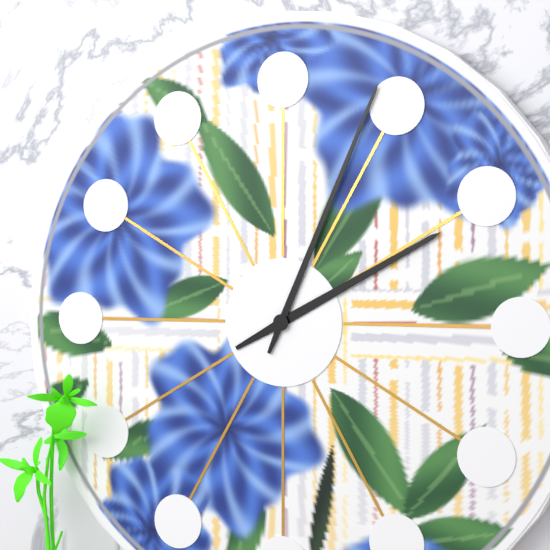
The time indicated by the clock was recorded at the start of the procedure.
2:04
